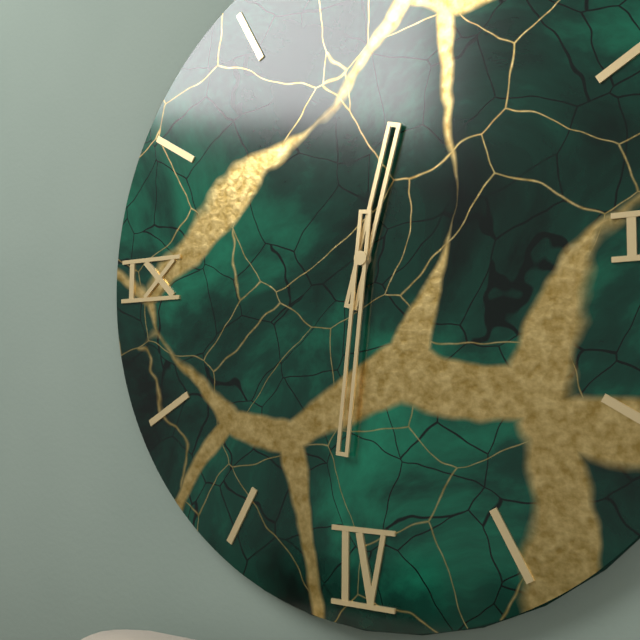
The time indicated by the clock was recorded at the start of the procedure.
12:31
